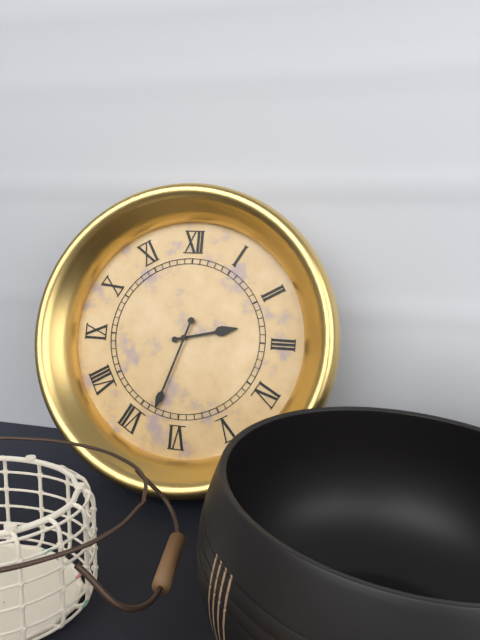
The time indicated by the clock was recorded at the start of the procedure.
2:33
